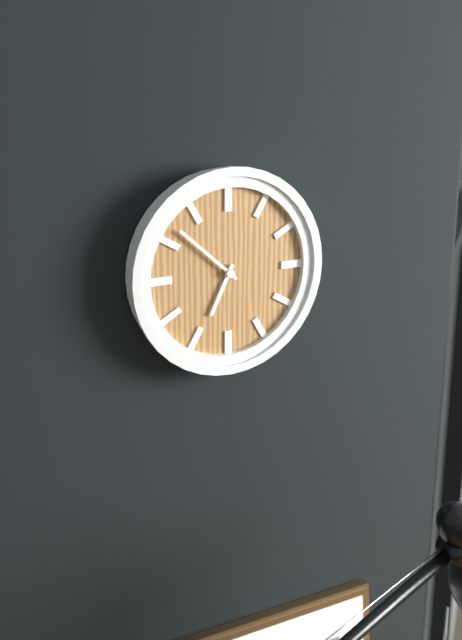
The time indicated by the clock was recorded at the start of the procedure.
6:52
